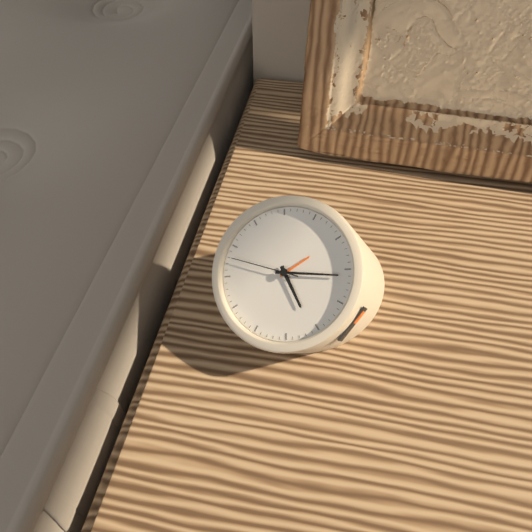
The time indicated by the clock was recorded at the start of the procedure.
4:11:43
